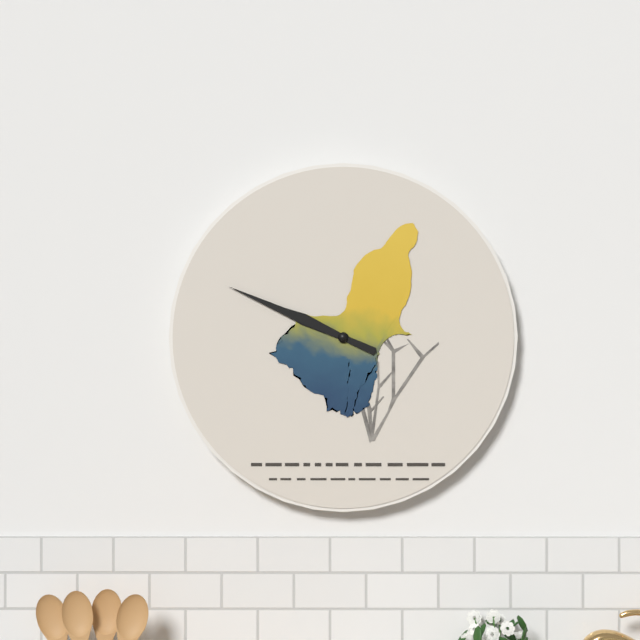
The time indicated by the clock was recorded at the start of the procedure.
9:49
